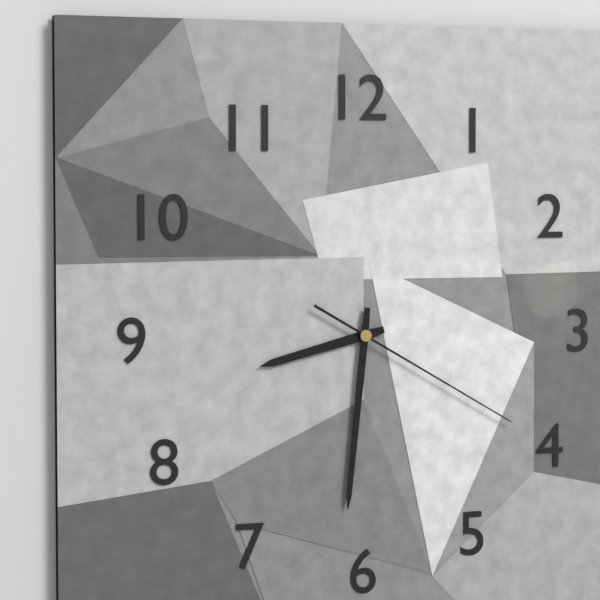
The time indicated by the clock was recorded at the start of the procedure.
8:31:20
